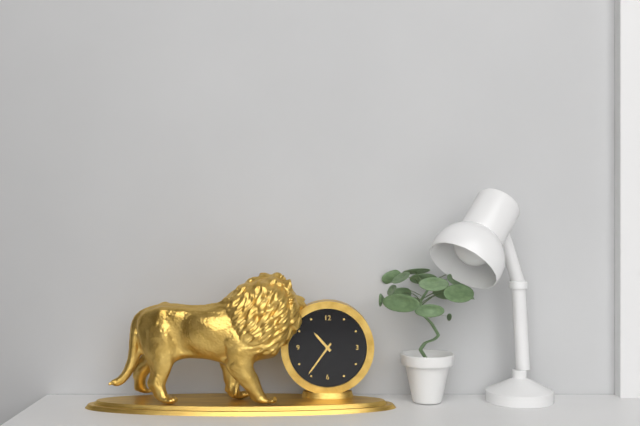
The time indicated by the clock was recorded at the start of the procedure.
10:36
